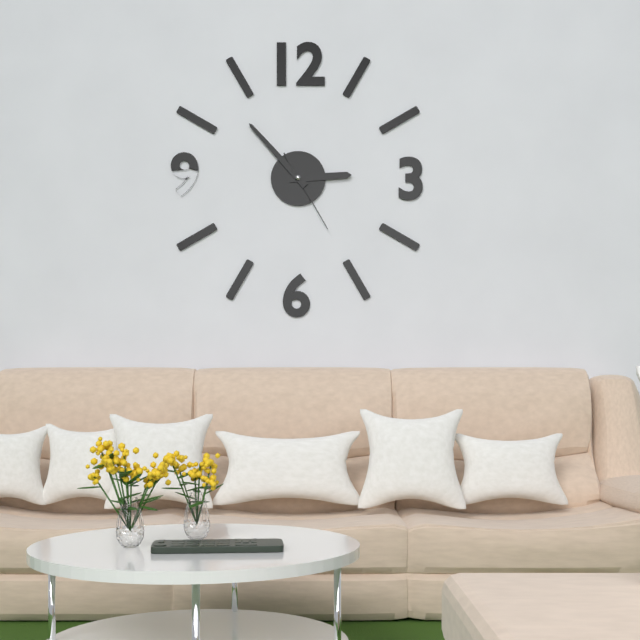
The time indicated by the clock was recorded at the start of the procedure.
2:53:25
